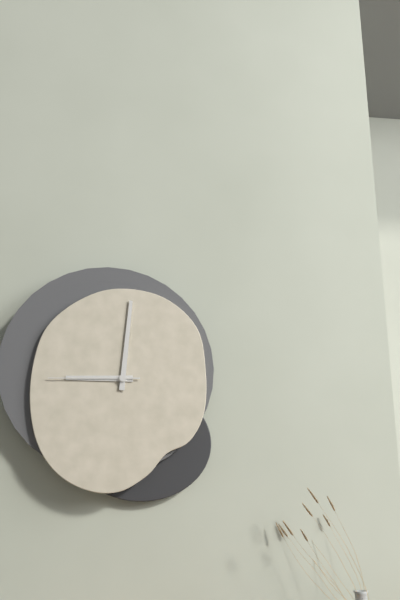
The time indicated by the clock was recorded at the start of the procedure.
9:01:45
